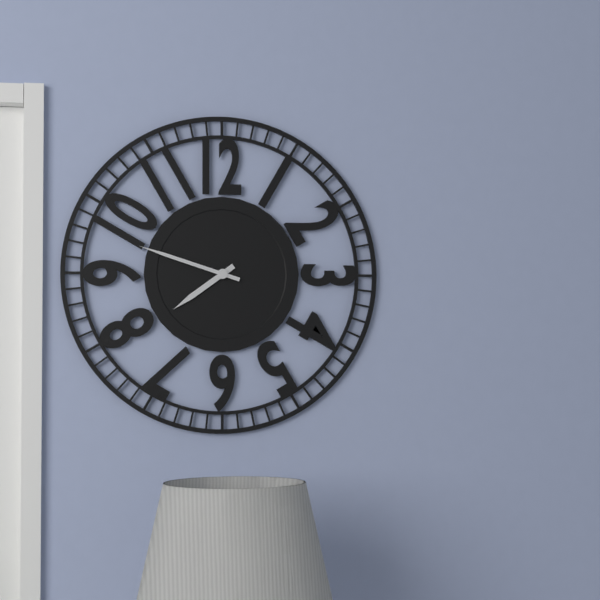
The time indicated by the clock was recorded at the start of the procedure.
7:48
